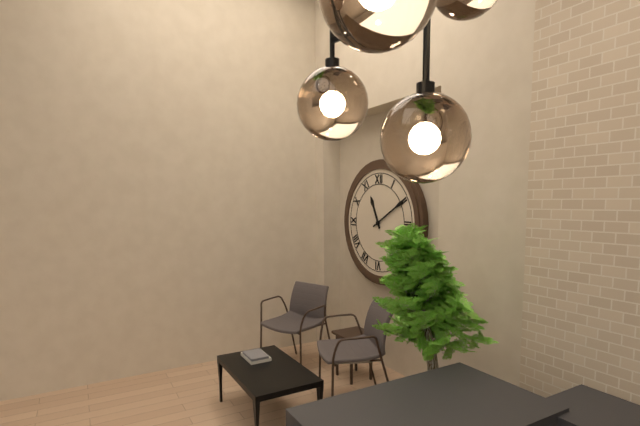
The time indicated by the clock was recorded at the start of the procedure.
11:10
